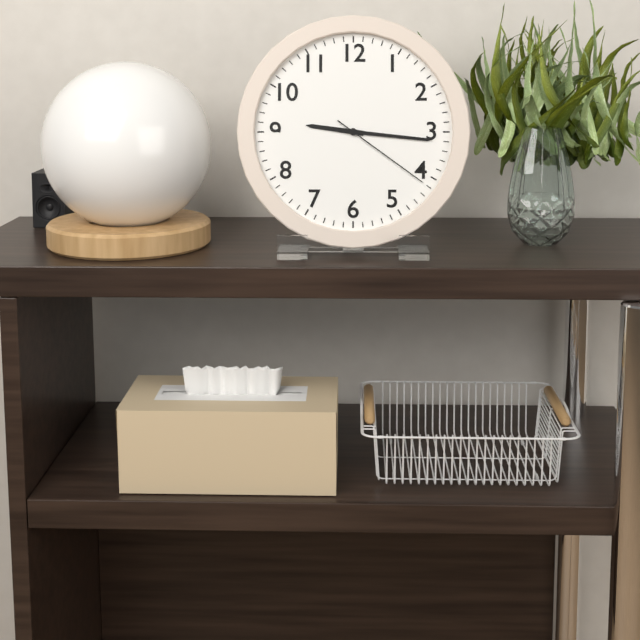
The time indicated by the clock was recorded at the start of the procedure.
9:16:21
